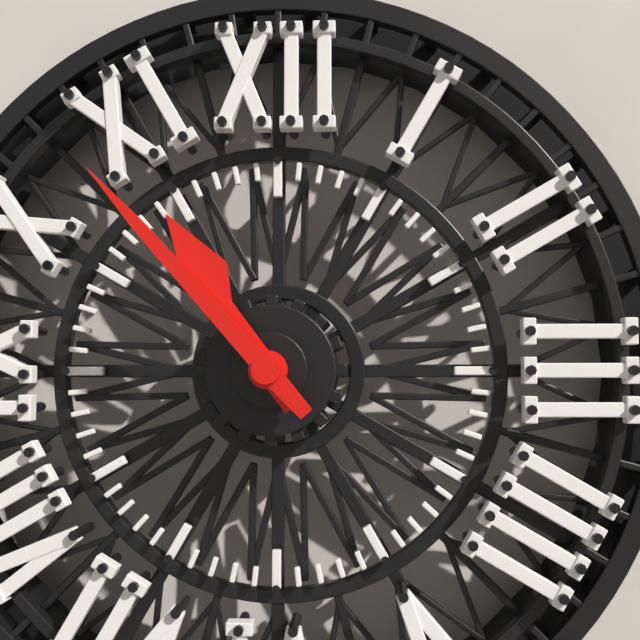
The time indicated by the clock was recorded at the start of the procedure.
10:53
